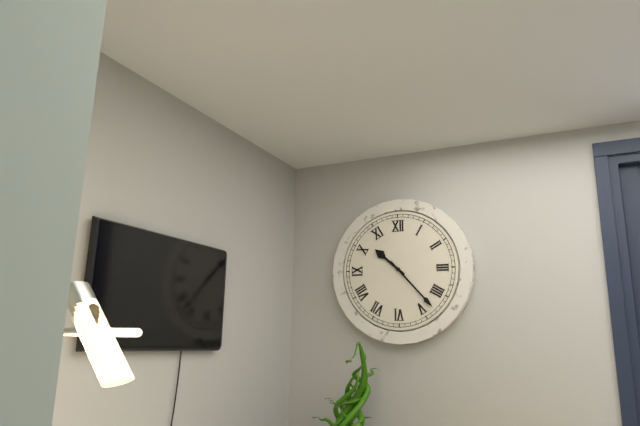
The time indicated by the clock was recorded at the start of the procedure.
10:23
